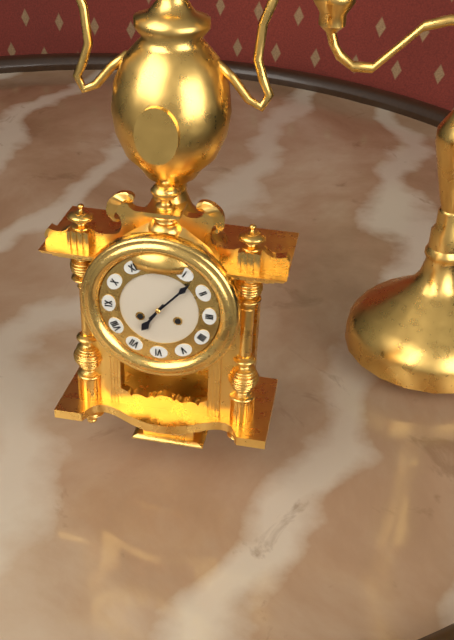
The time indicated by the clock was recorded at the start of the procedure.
7:07
